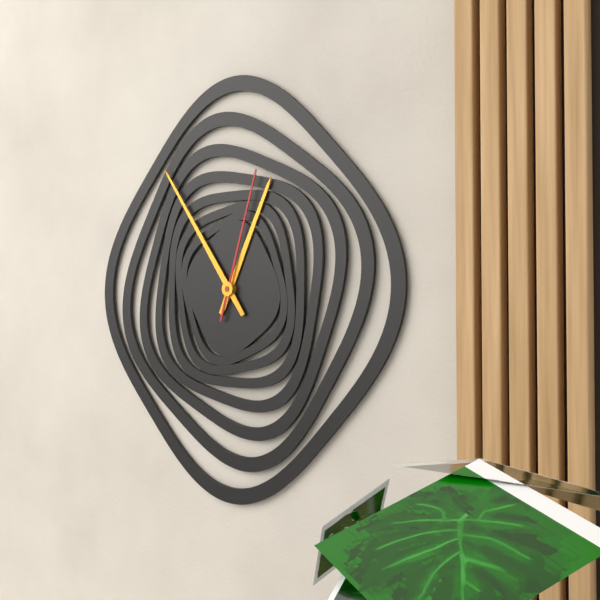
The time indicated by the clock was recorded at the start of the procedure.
12:54:03
